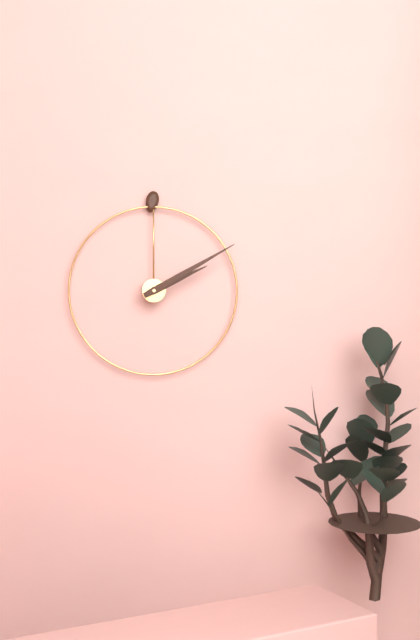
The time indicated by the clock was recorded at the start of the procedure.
2:10
